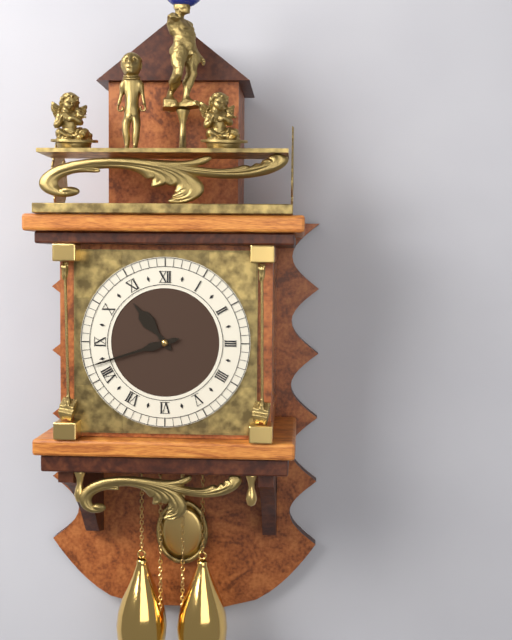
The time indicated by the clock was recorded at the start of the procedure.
10:42
